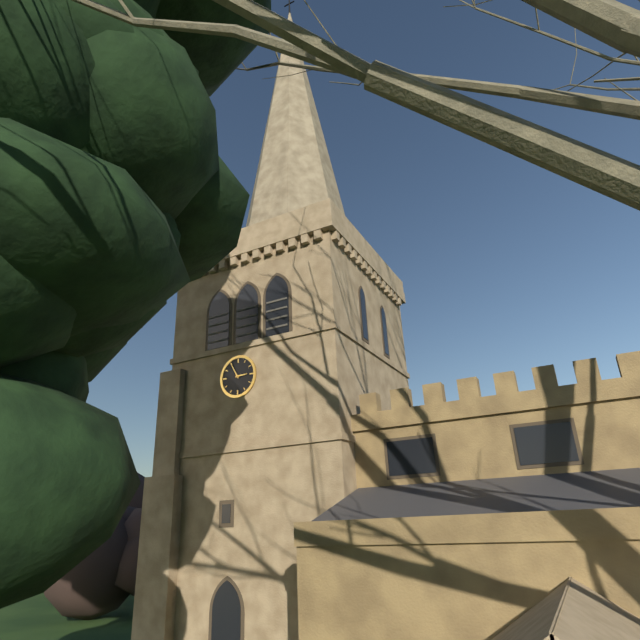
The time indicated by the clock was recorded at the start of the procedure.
2:55
